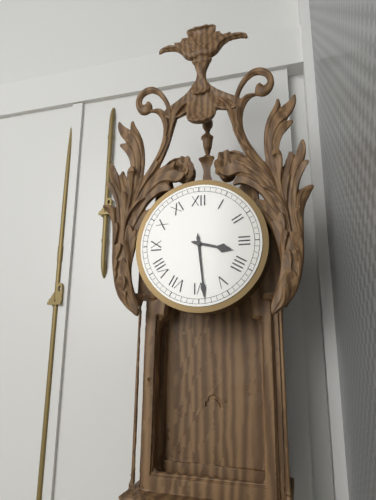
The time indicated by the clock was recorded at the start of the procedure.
3:29
